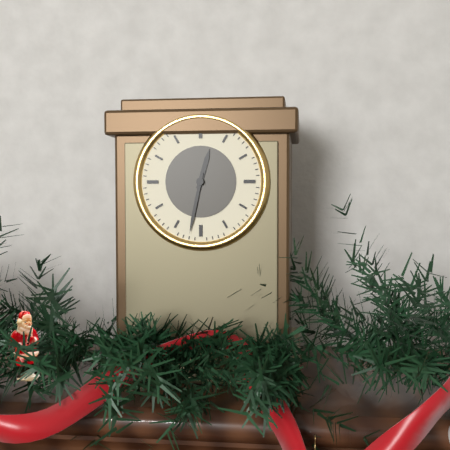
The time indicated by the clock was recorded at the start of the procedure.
12:32
